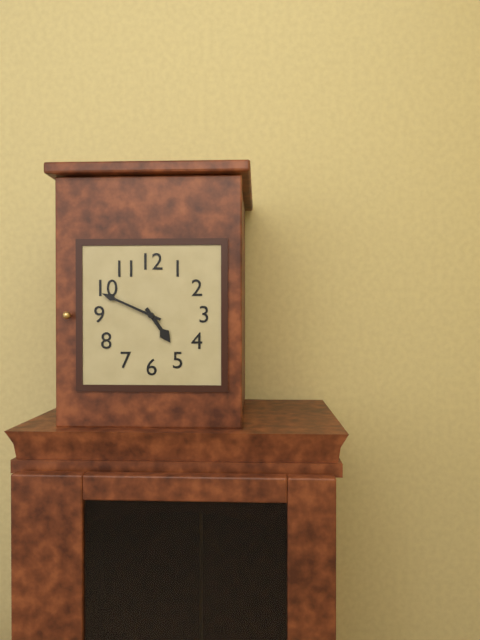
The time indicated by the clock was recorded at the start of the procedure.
4:49
